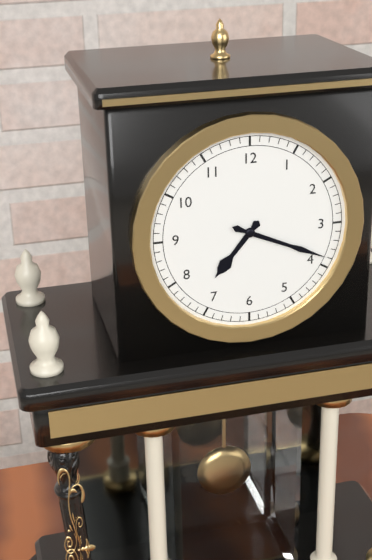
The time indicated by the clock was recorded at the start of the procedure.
7:19
